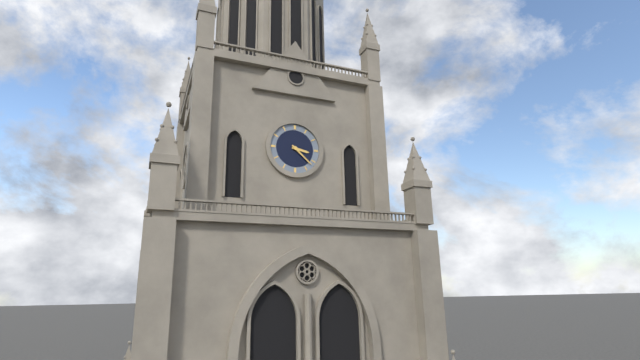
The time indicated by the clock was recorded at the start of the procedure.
3:22
